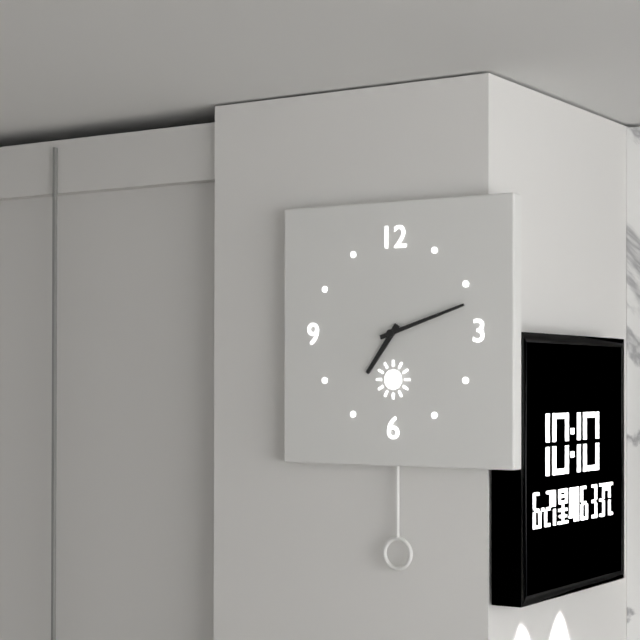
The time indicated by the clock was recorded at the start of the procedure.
7:12
